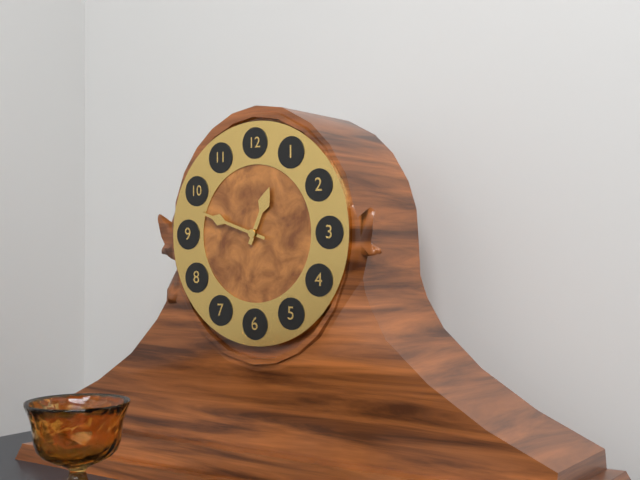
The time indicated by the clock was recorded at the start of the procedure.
12:48
